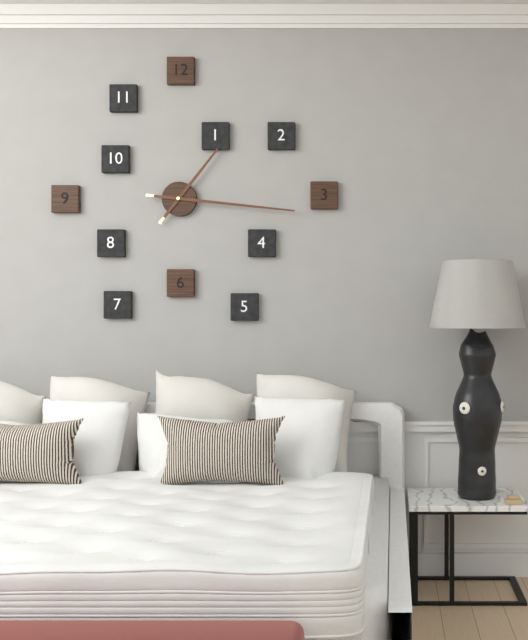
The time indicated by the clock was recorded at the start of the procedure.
1:16
